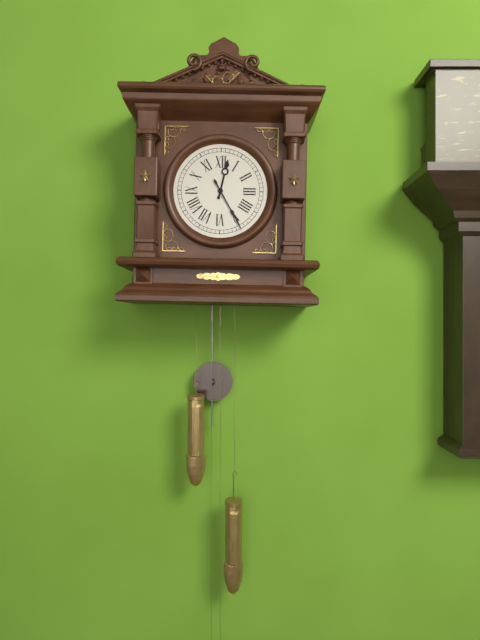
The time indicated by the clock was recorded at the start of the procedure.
12:25
